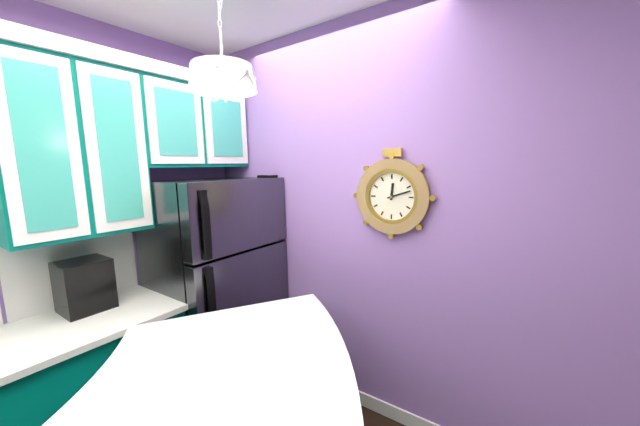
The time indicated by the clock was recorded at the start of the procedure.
12:12
